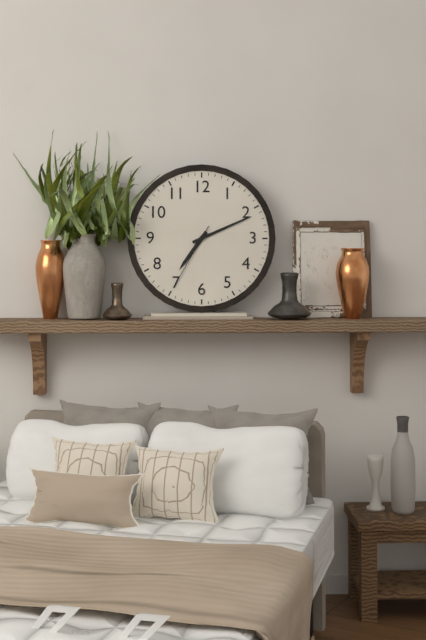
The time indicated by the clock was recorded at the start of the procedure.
7:11:35
